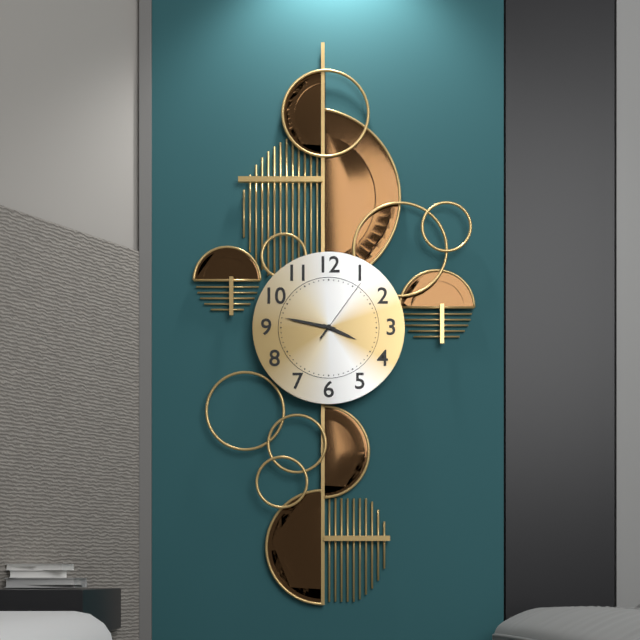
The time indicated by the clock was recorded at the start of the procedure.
3:47:06
